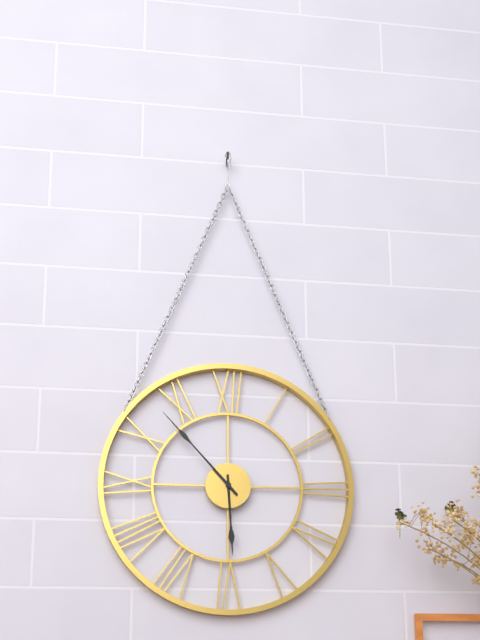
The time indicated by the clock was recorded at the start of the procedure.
5:53
